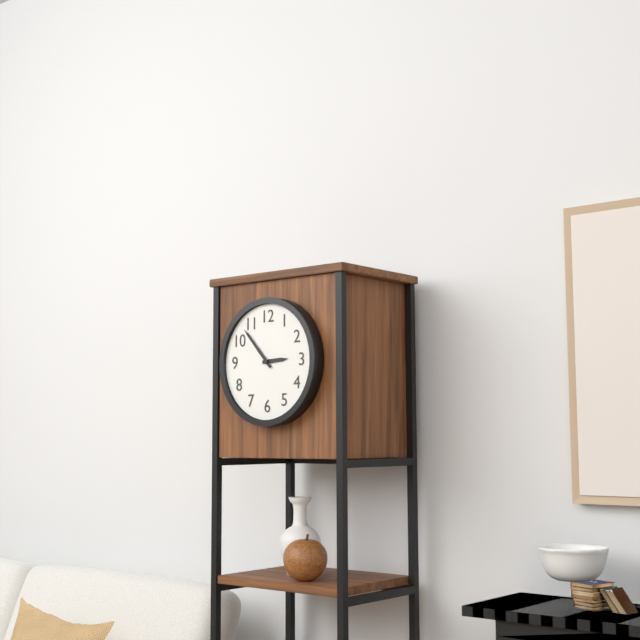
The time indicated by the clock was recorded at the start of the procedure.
2:53
